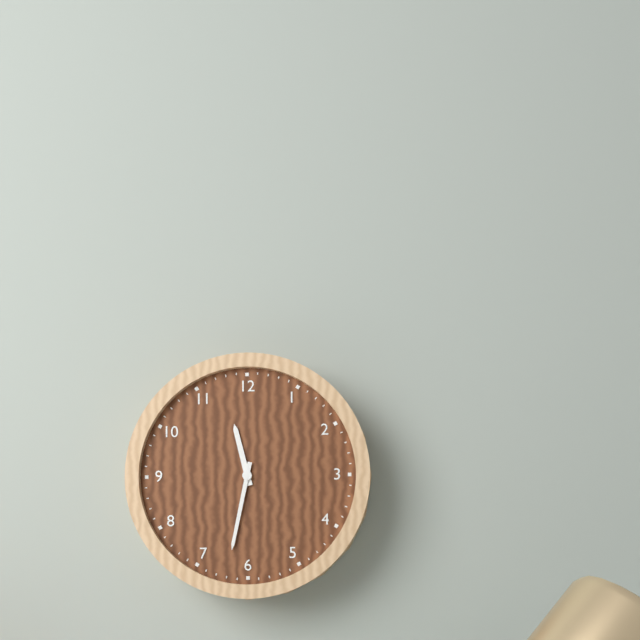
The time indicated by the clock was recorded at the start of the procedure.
11:32
